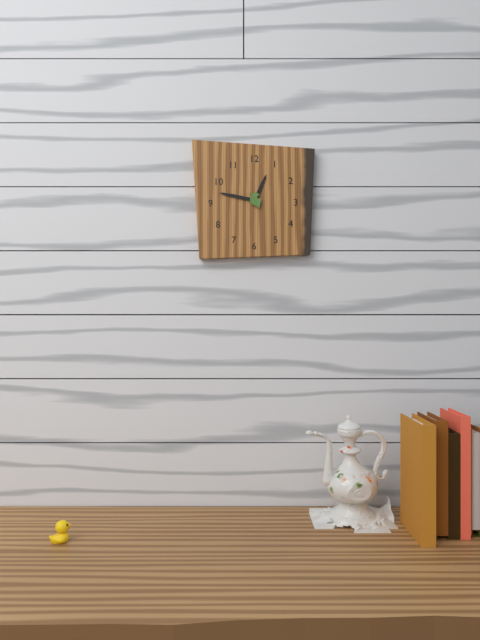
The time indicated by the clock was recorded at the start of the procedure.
12:47
